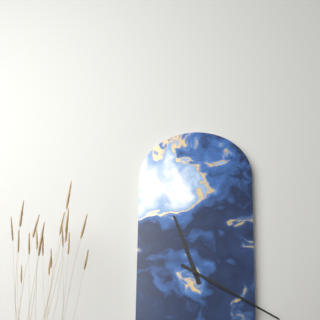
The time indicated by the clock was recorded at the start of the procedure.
11:20
